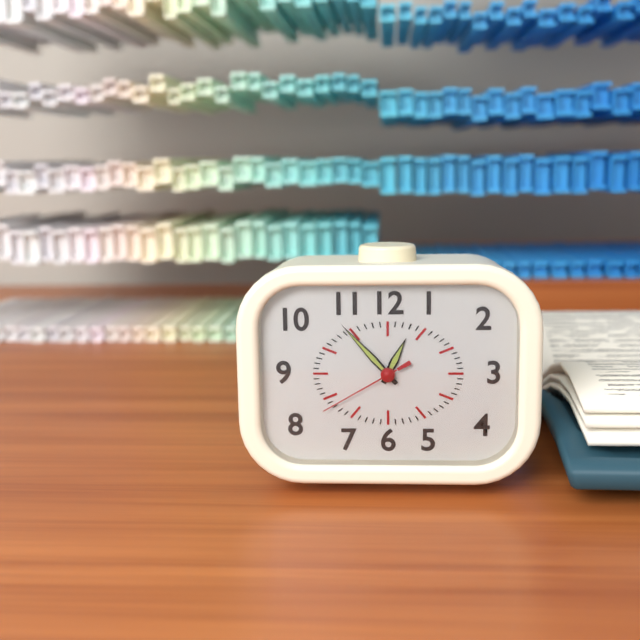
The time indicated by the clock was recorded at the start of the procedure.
12:53:40
